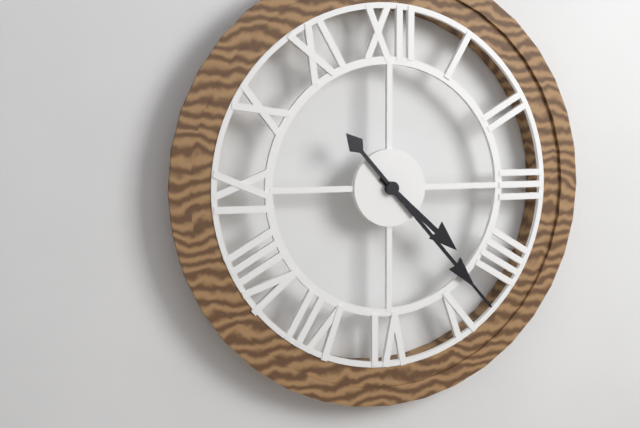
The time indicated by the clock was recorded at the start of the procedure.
4:23
